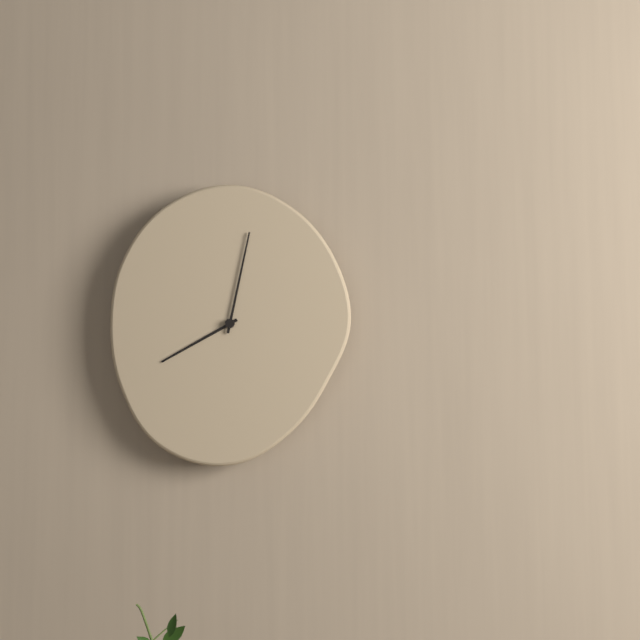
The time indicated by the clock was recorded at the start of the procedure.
8:02
